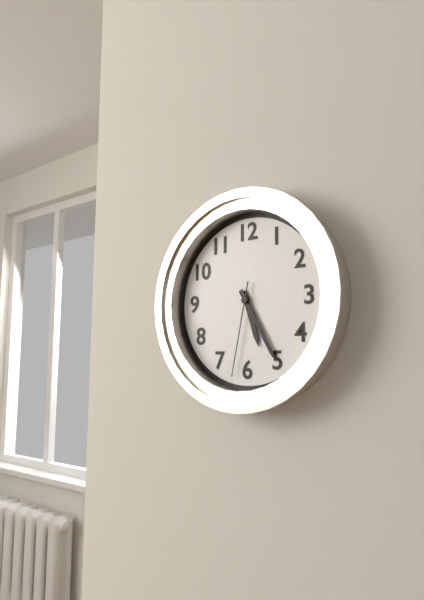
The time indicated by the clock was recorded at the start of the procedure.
5:25:32
